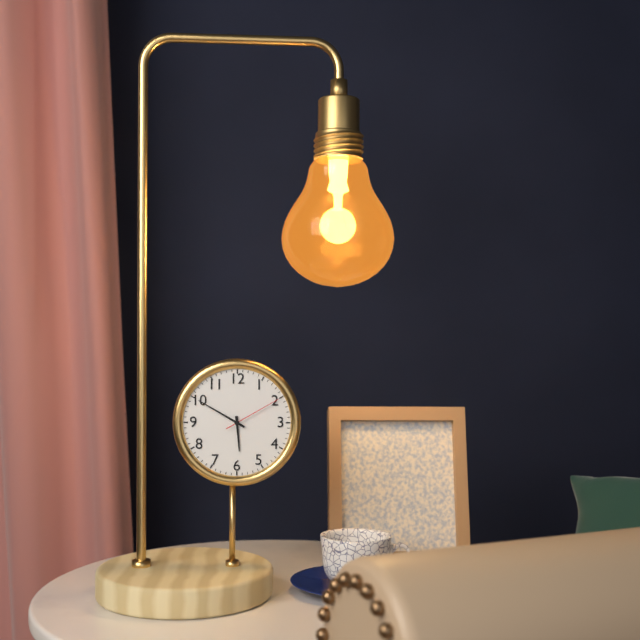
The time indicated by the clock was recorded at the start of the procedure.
5:50:10
